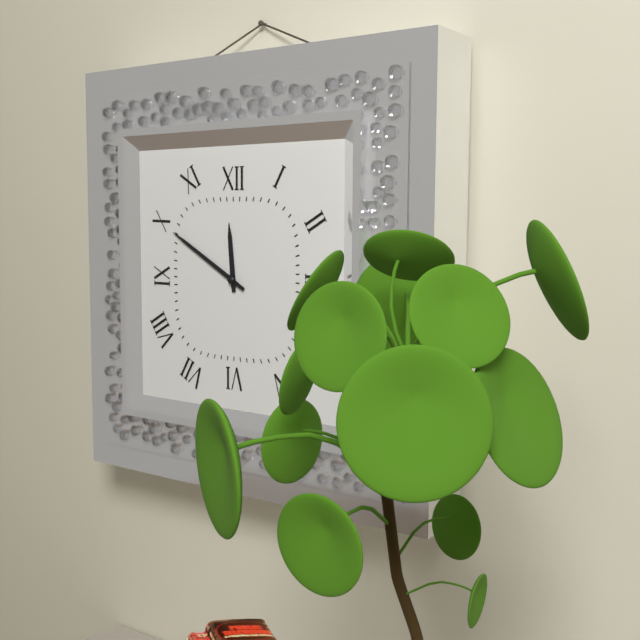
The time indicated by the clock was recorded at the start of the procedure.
11:50
